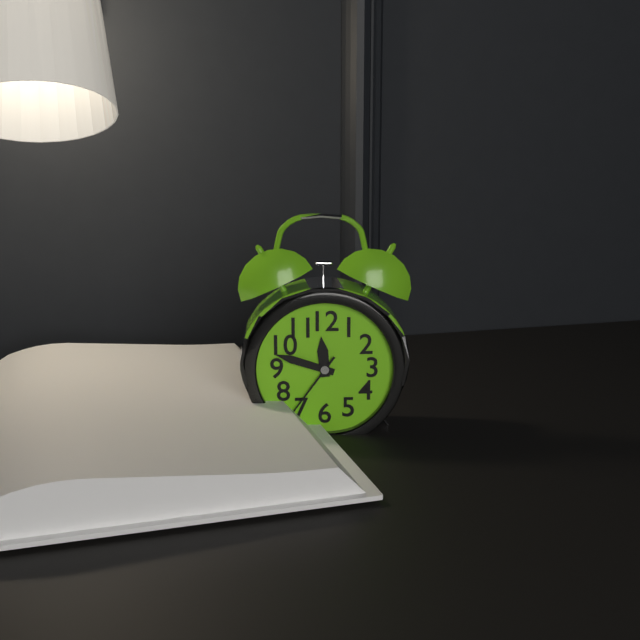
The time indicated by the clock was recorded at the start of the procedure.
11:48:36
